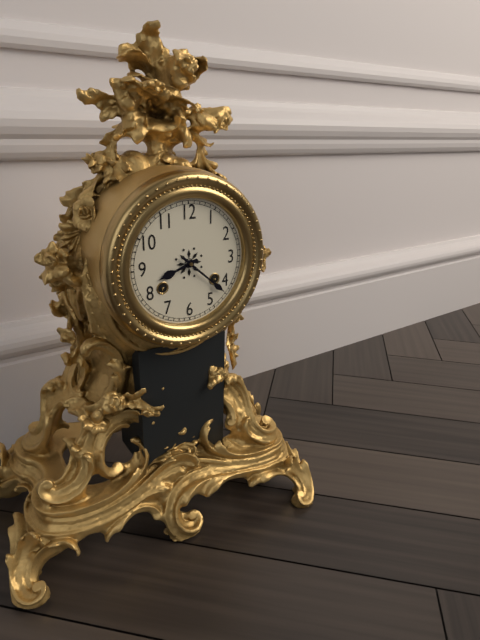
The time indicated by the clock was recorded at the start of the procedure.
8:22
